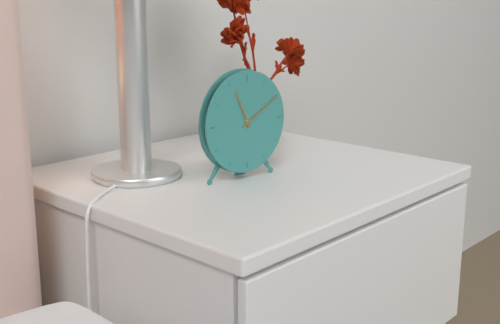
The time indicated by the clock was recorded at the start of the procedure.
11:10
